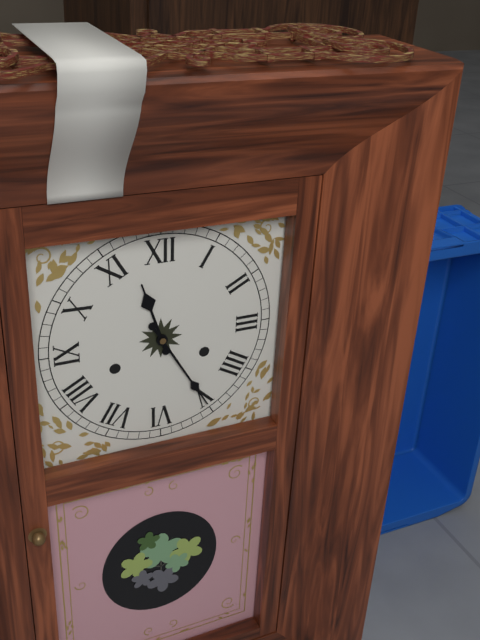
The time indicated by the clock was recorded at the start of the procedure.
11:25
